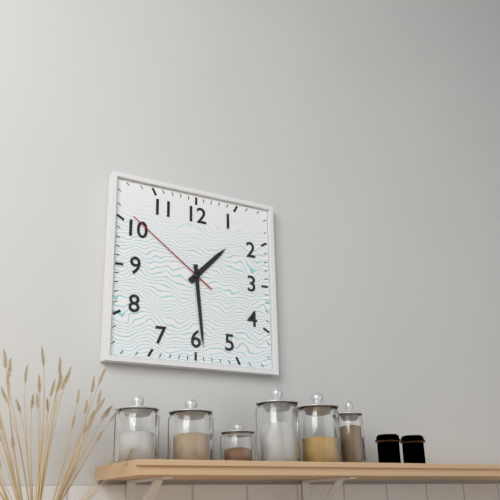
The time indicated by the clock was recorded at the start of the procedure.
1:29:51
